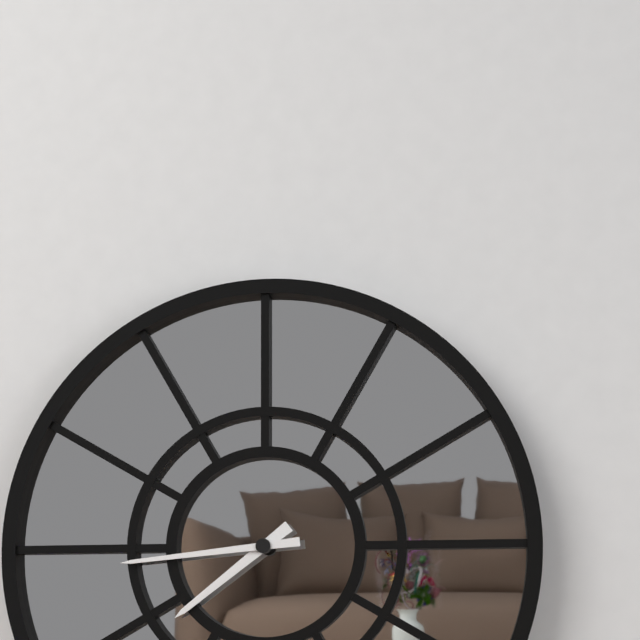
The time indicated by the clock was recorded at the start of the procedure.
7:44
